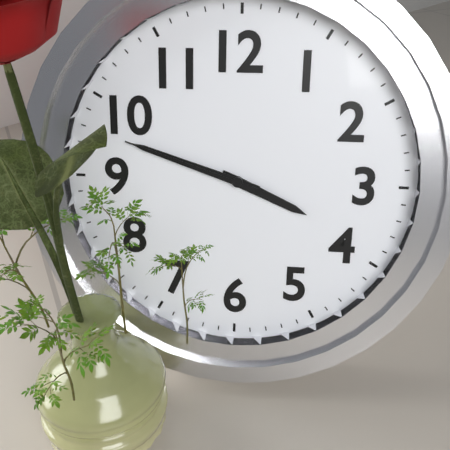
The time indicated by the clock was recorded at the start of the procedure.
3:48:48
